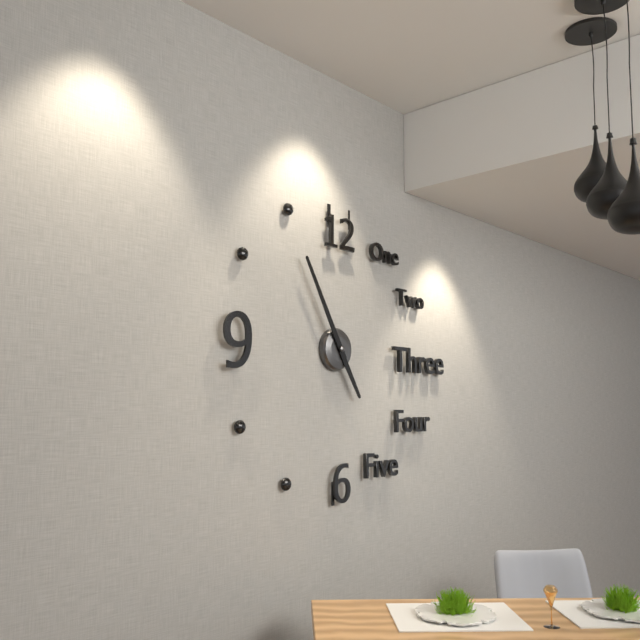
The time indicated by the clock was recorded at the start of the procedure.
4:55
